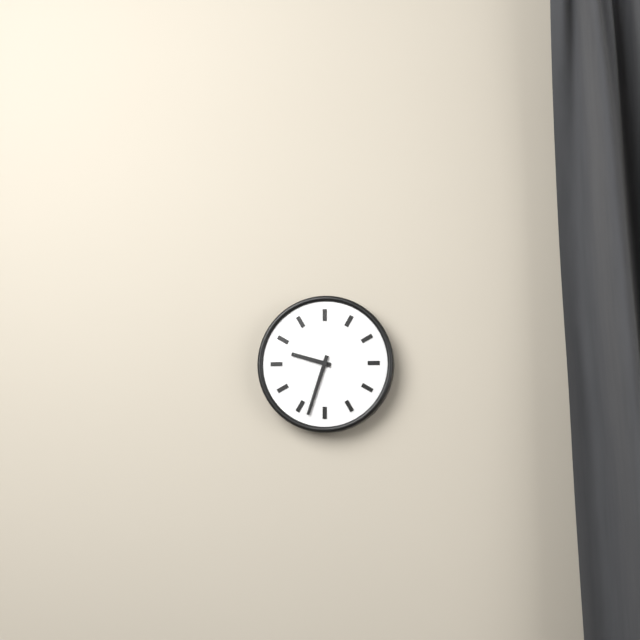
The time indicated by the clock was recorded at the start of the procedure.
9:33
